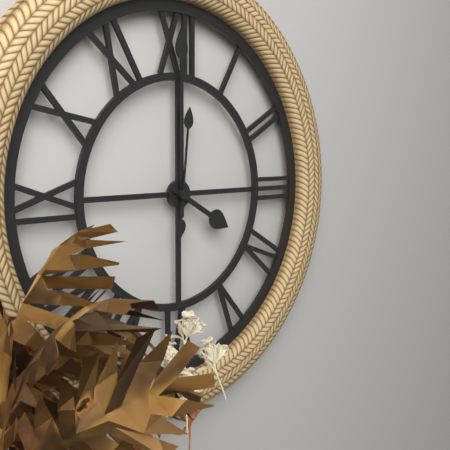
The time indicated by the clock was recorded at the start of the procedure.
4:00:01
